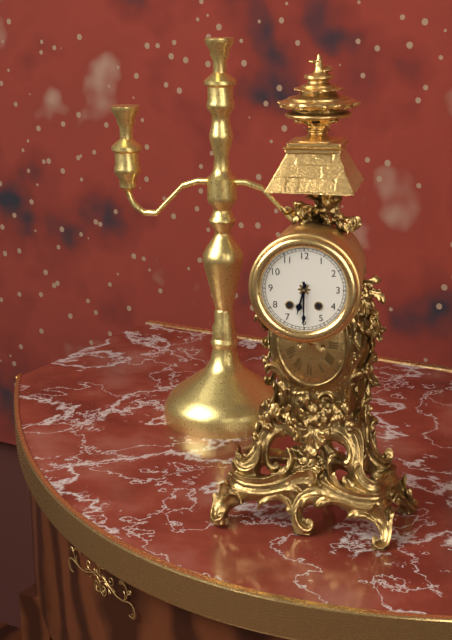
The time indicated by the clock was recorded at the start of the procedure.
6:30
